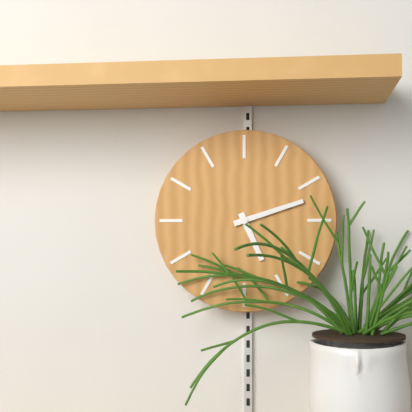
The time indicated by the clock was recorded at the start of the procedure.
5:12
